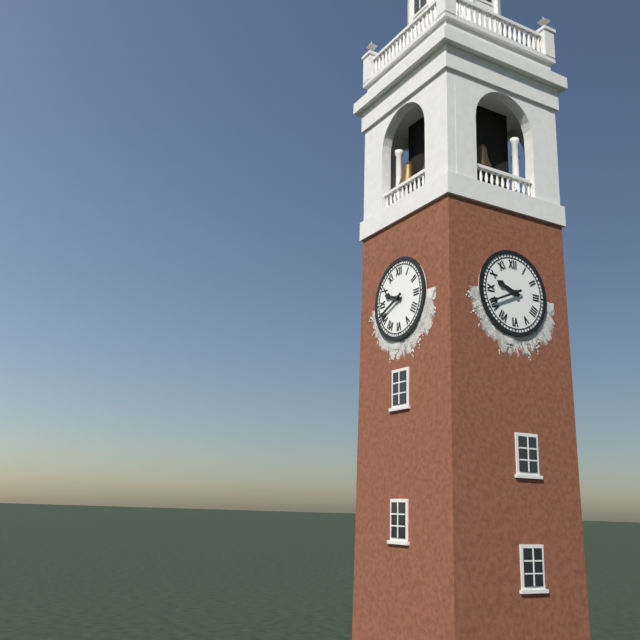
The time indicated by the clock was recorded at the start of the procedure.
9:41
